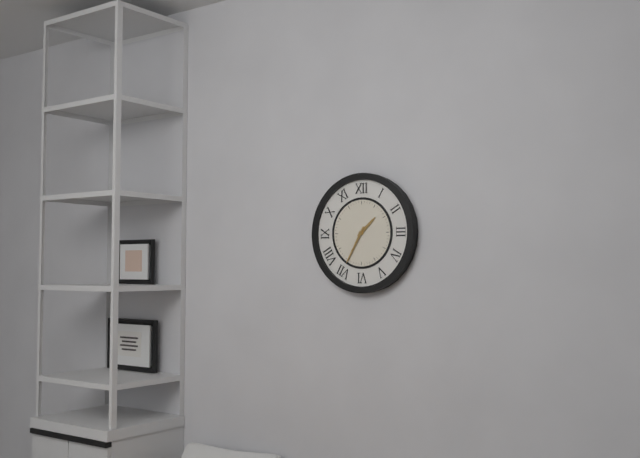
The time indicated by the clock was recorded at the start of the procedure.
1:35
